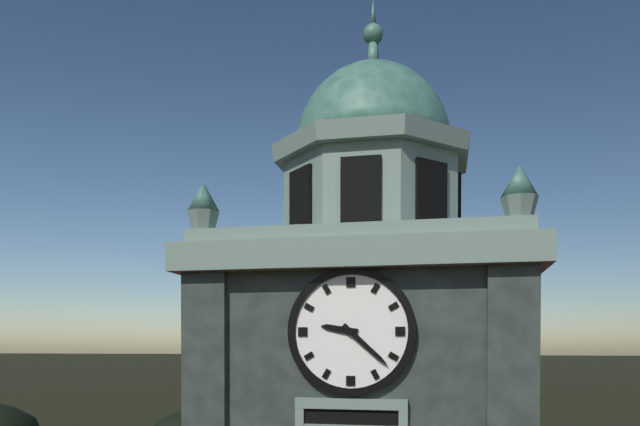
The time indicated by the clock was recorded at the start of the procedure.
9:22
